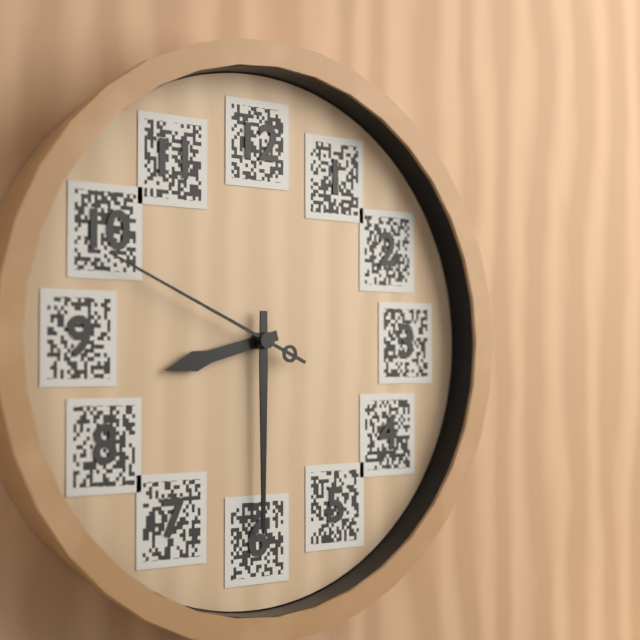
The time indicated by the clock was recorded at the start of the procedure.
8:30:49
